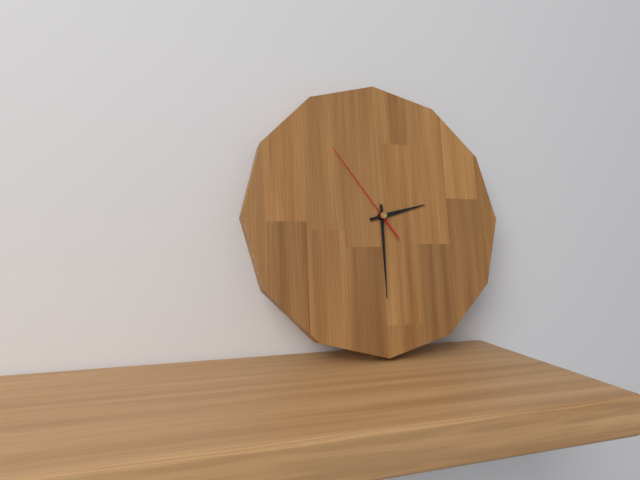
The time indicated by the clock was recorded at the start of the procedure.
2:30:54
